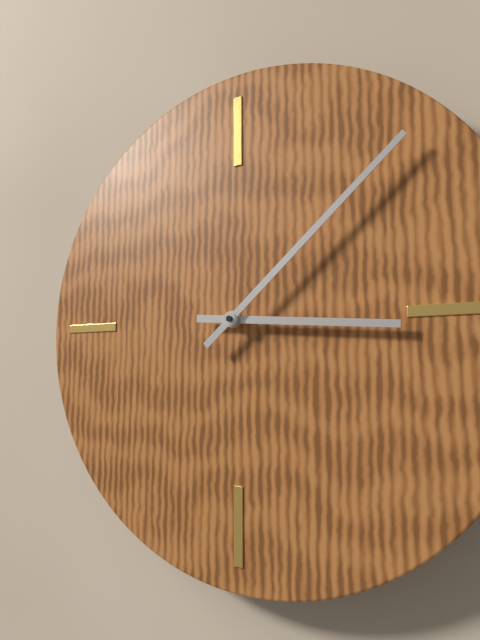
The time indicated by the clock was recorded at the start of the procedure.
3:08
